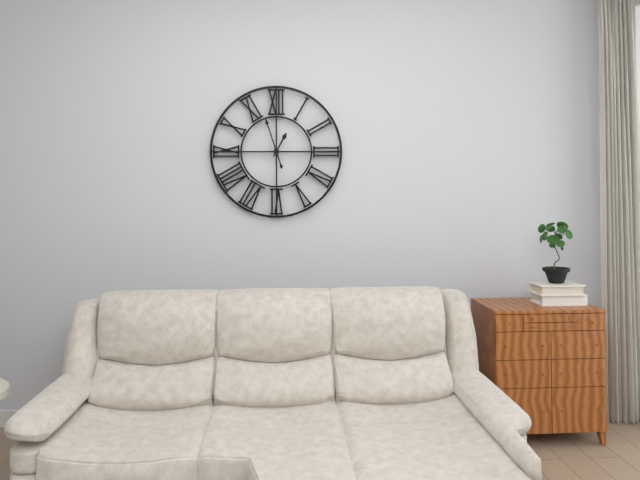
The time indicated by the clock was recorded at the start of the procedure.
12:57
